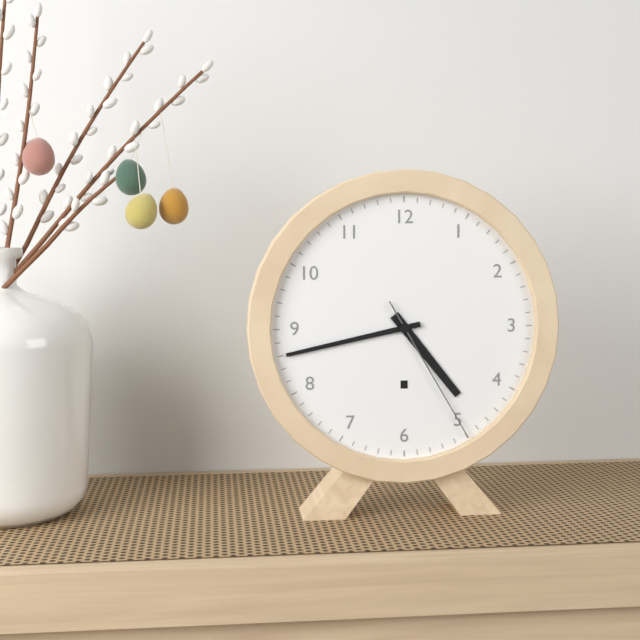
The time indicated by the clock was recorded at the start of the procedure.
4:43:25
